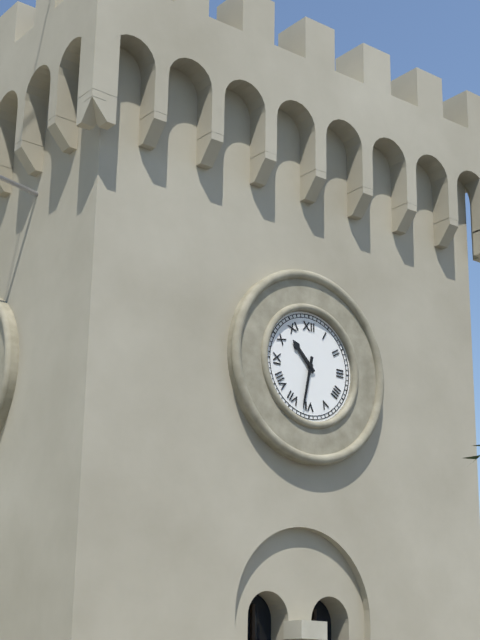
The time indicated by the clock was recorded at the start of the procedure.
10:32
